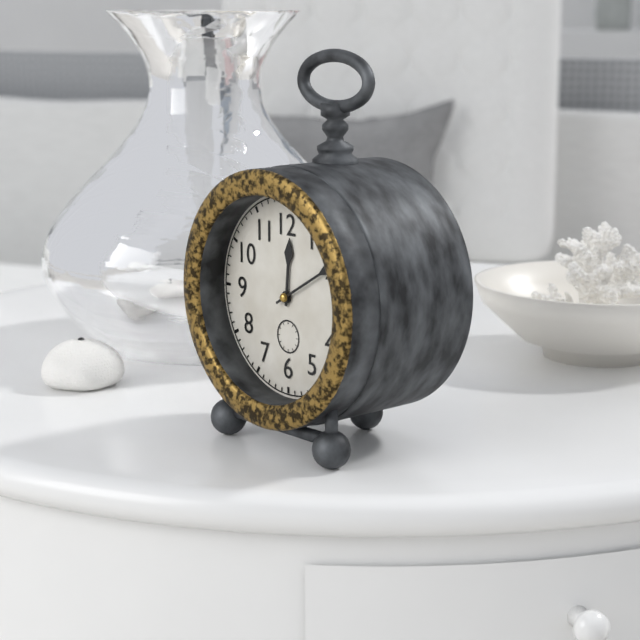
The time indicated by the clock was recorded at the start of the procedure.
12:10
